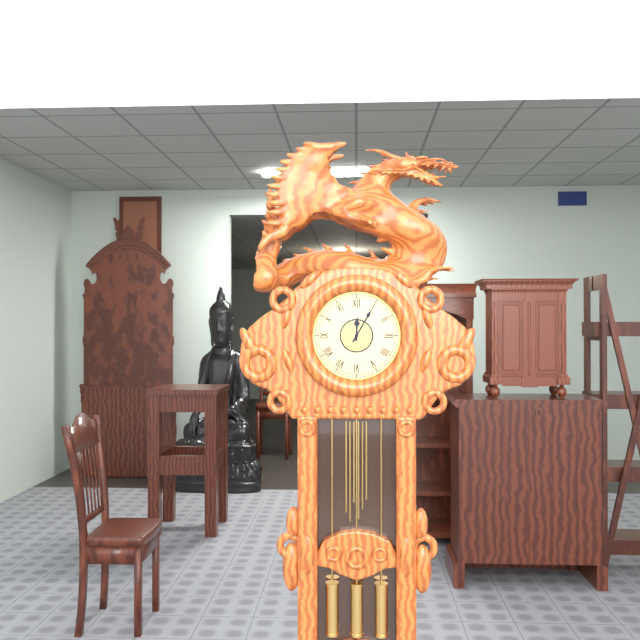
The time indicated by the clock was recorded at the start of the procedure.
12:05
